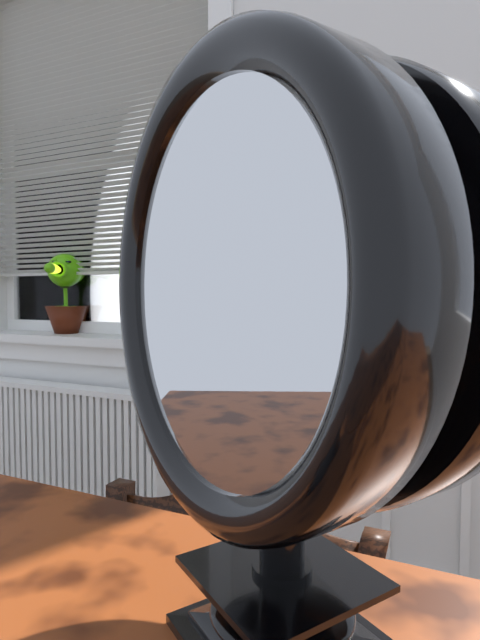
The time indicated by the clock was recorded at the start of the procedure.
7:23:24
